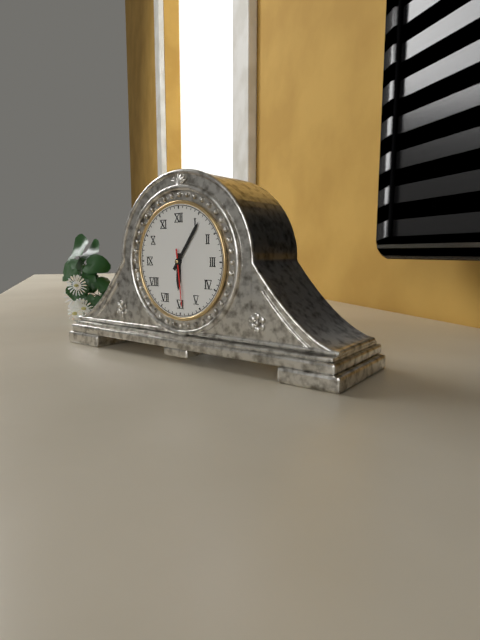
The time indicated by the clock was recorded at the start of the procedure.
6:06:29
